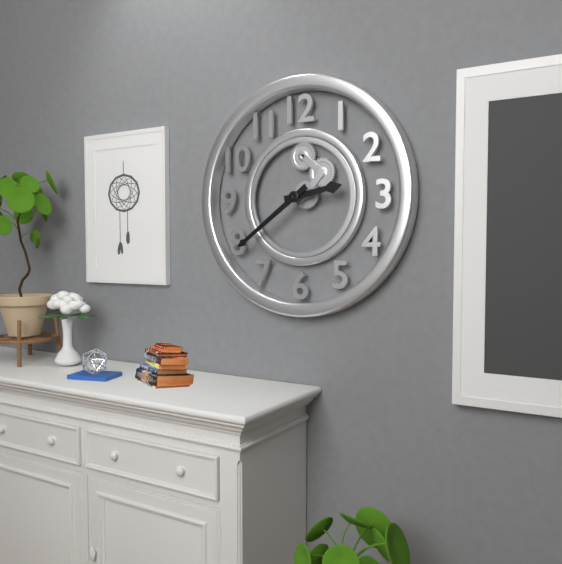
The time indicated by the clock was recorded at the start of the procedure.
2:39
